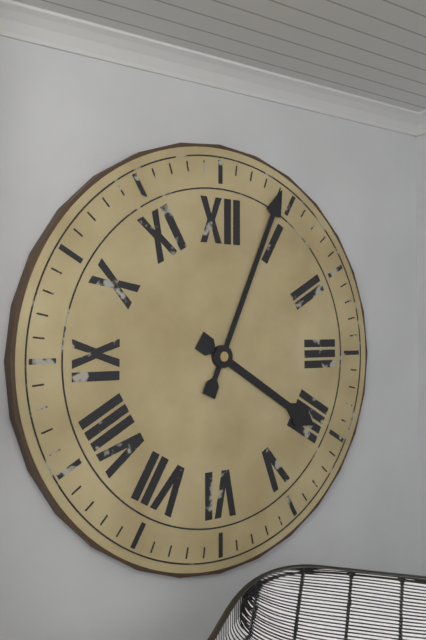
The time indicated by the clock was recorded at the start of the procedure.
4:04
